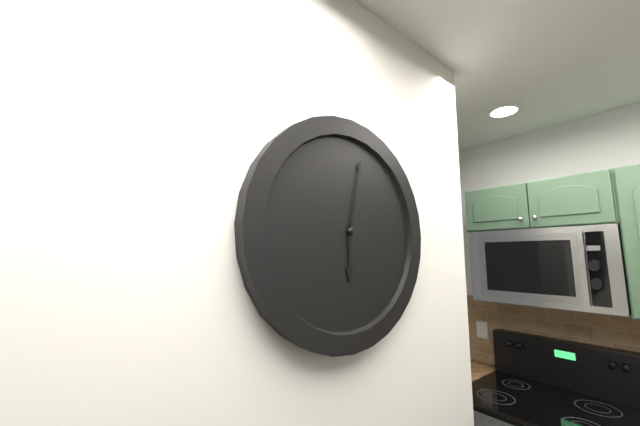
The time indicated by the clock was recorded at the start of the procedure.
6:02
